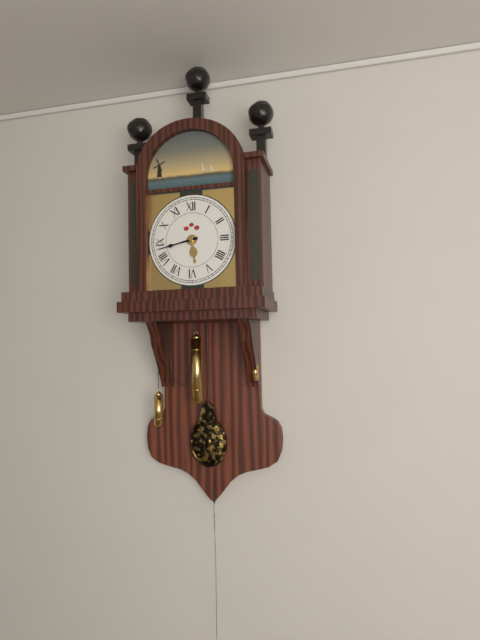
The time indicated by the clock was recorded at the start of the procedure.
5:43
